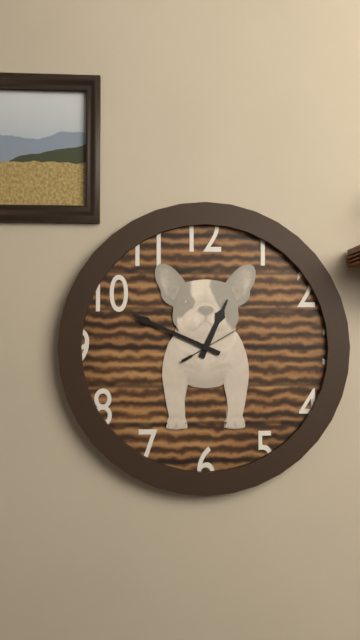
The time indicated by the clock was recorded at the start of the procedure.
12:49:10
